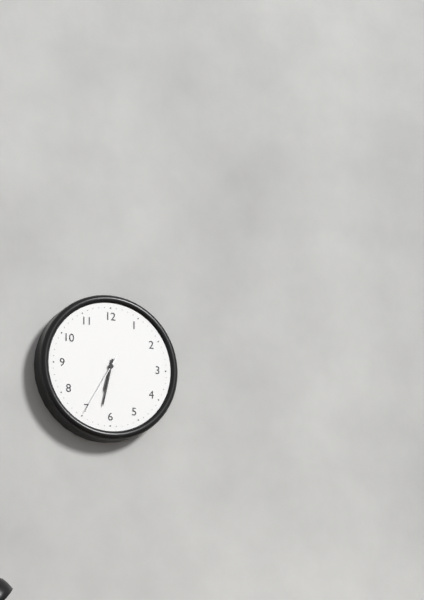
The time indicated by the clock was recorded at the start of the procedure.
6:32:35
